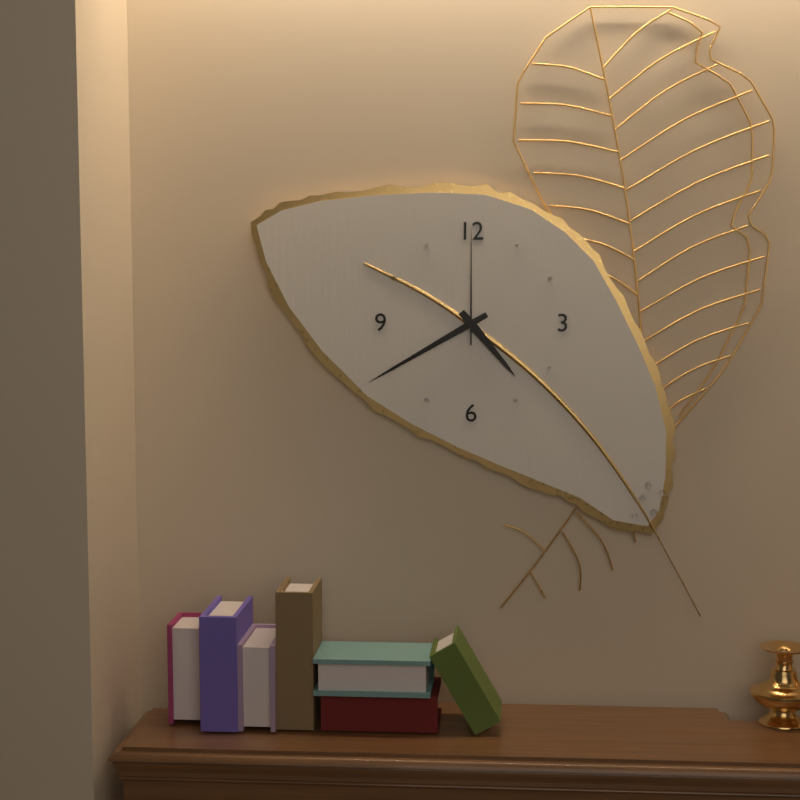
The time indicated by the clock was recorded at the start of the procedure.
4:40:00
